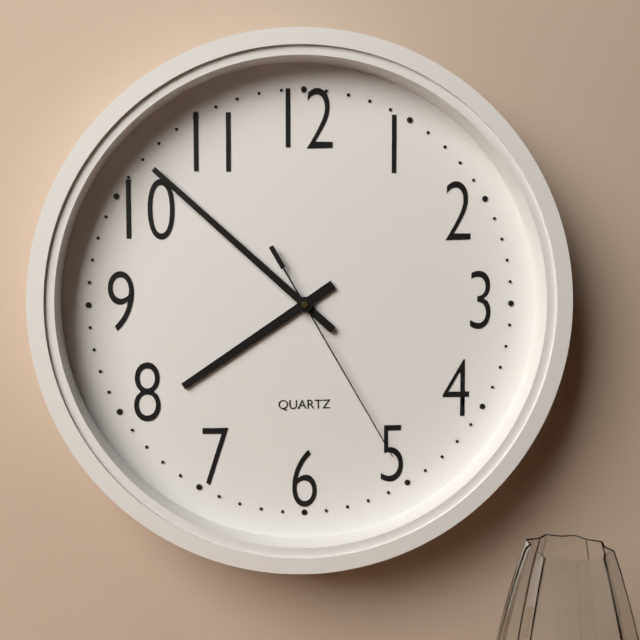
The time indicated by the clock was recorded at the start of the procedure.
7:52:25
